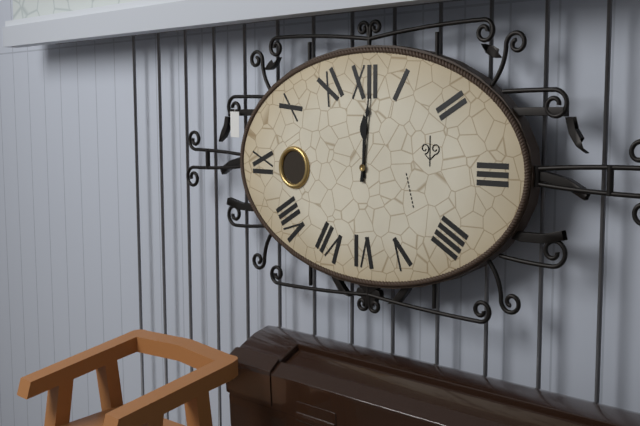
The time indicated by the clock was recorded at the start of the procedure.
12:01
